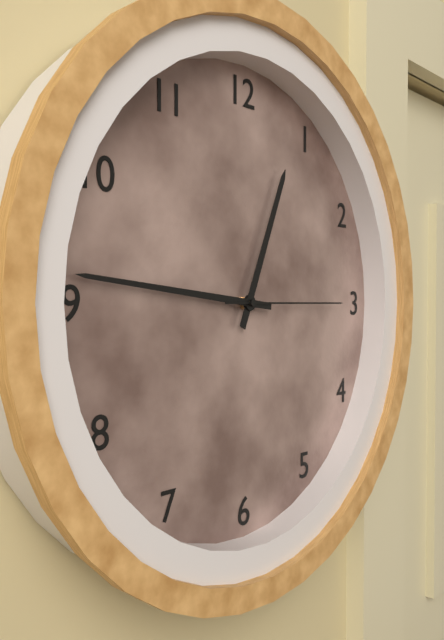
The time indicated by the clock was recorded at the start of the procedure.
12:46:15
